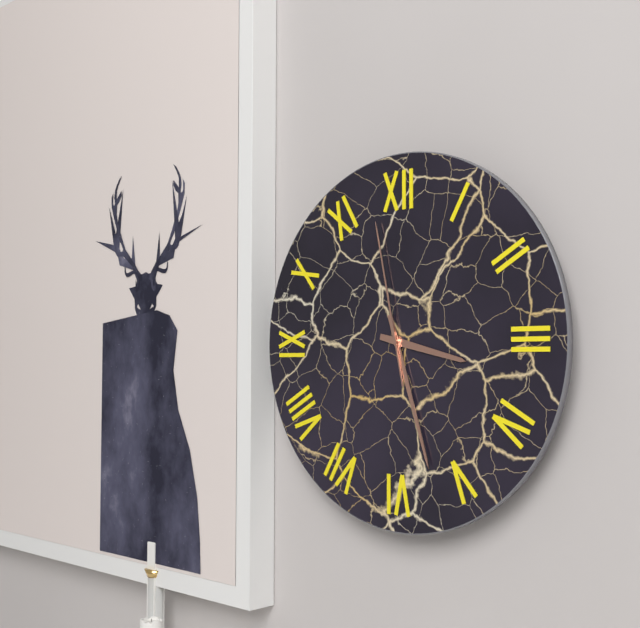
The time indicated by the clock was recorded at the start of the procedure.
3:27:58
